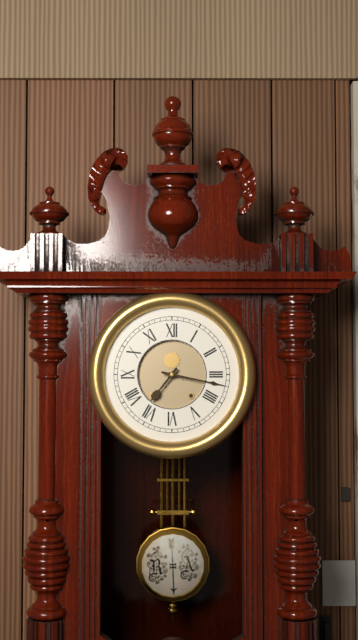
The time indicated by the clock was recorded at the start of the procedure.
7:17
